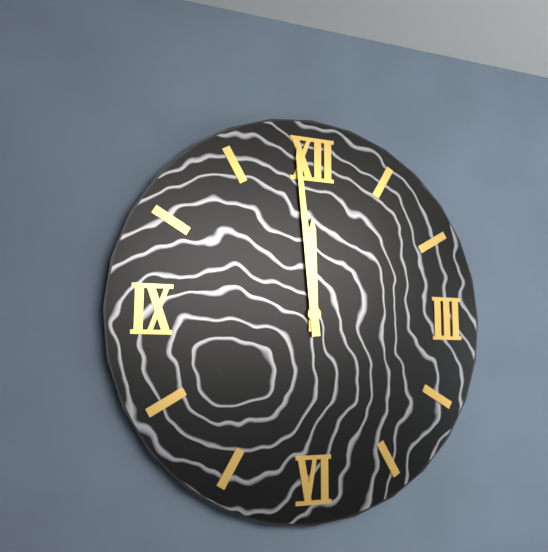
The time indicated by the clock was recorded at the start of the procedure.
11:59
